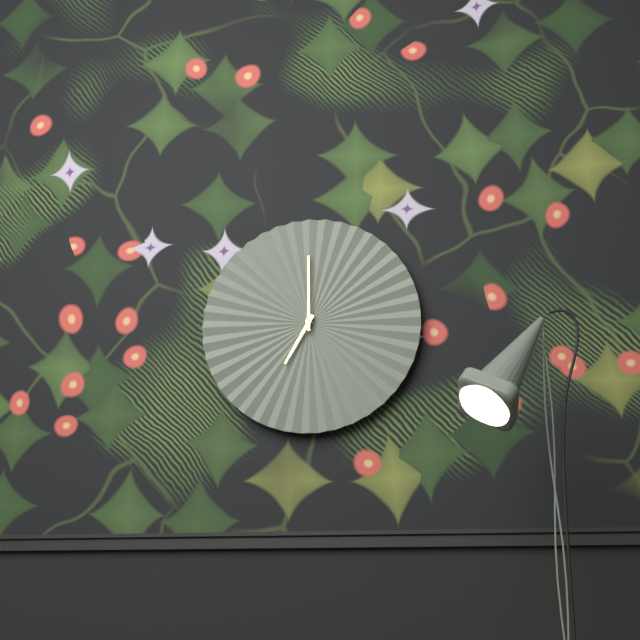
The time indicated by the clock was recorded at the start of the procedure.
7:00
